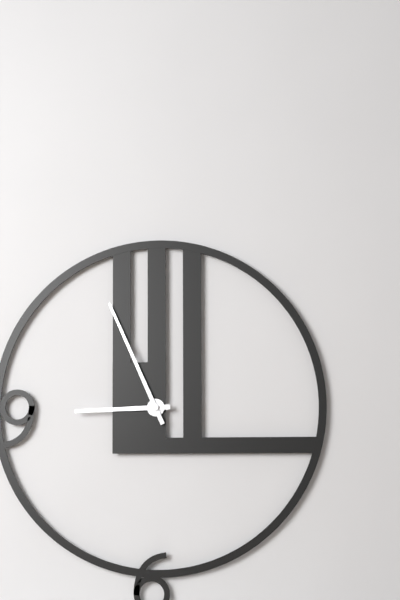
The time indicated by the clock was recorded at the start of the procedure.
8:56
